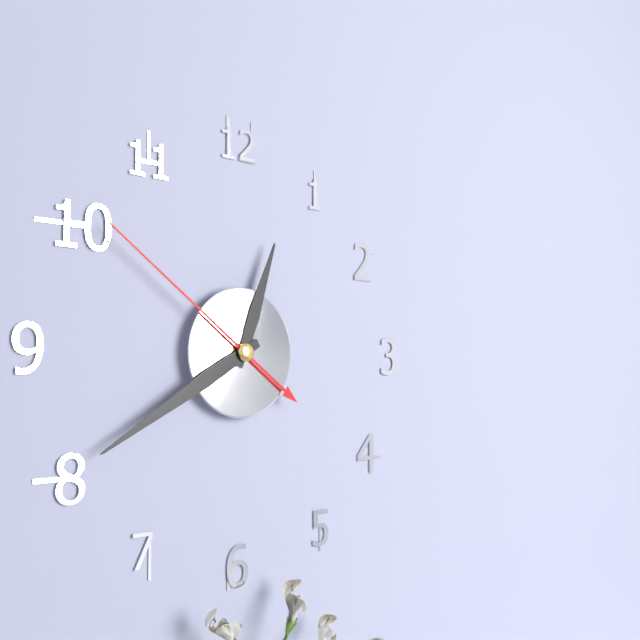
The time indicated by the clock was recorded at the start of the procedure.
12:40:51
